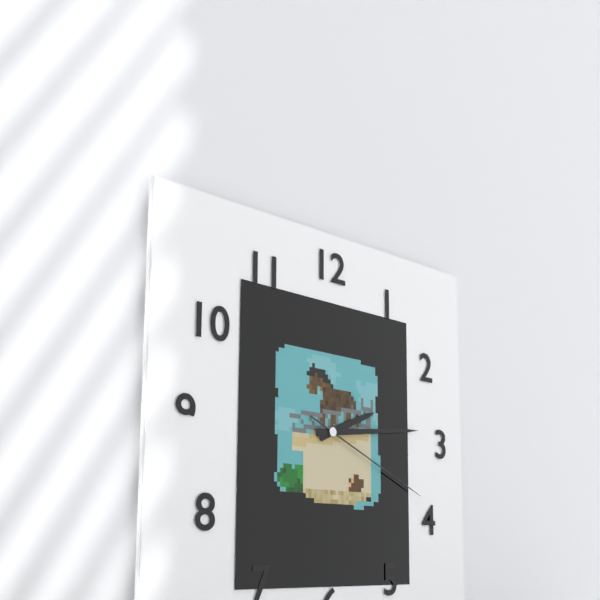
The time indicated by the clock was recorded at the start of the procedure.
2:14:19
